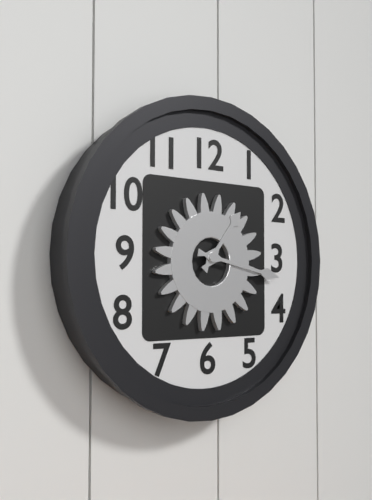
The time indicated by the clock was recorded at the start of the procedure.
1:17
